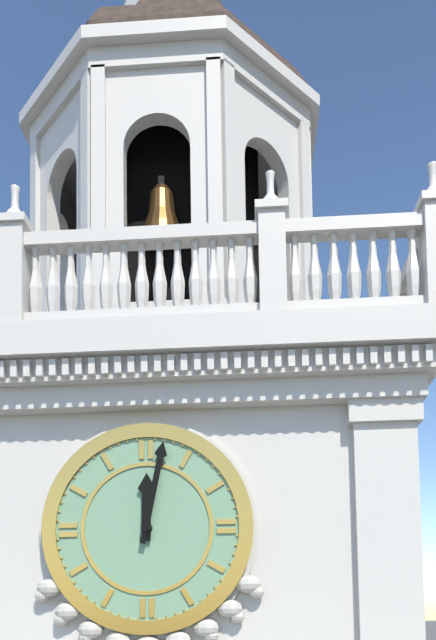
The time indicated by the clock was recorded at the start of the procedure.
12:02
